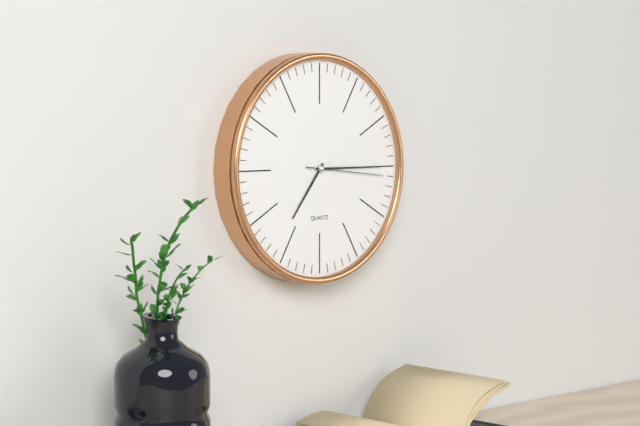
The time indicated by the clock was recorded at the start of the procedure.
7:15:16
